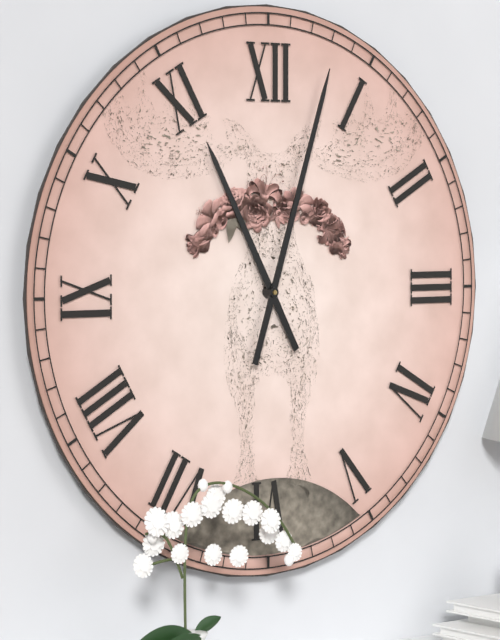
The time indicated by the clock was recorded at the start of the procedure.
11:03
